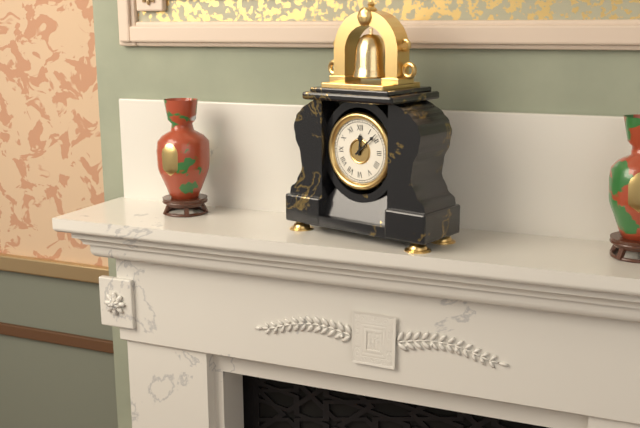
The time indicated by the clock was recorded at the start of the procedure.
12:08
